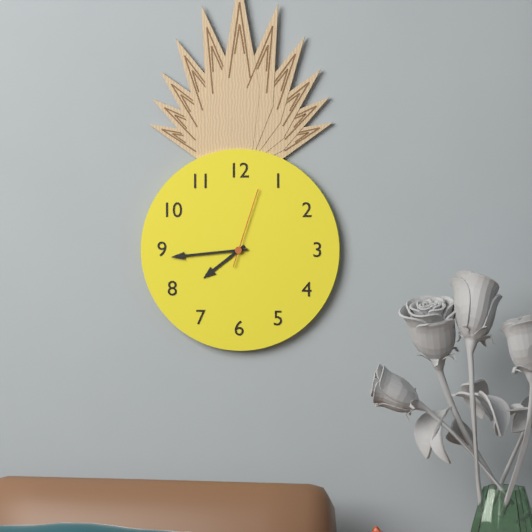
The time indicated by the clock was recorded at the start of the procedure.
7:44:03
